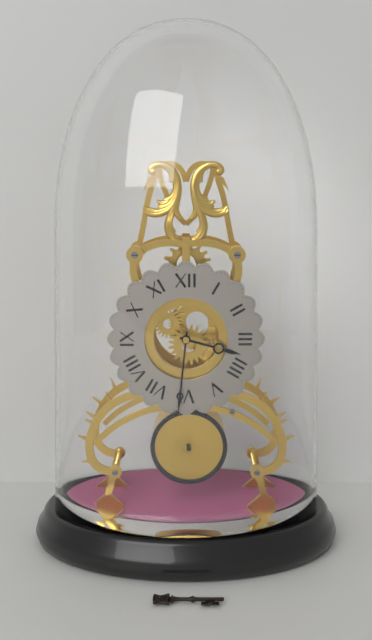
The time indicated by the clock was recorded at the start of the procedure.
3:31
